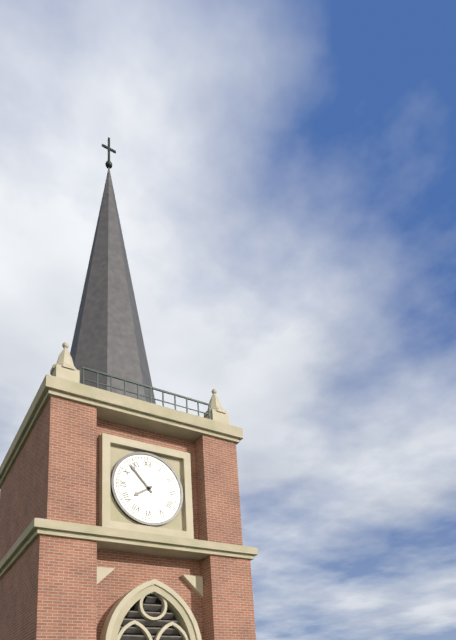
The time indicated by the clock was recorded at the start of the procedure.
7:53
